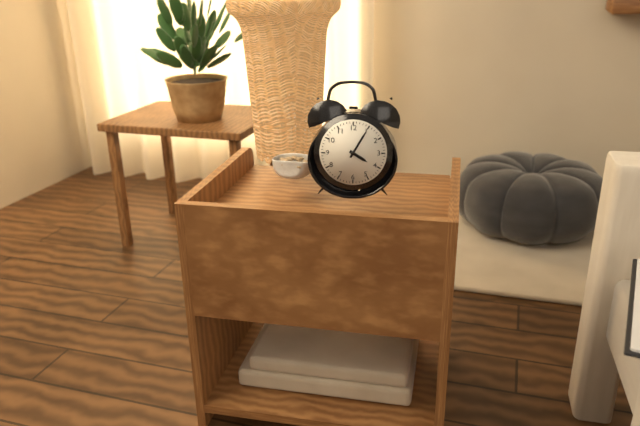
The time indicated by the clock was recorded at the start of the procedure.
4:05
